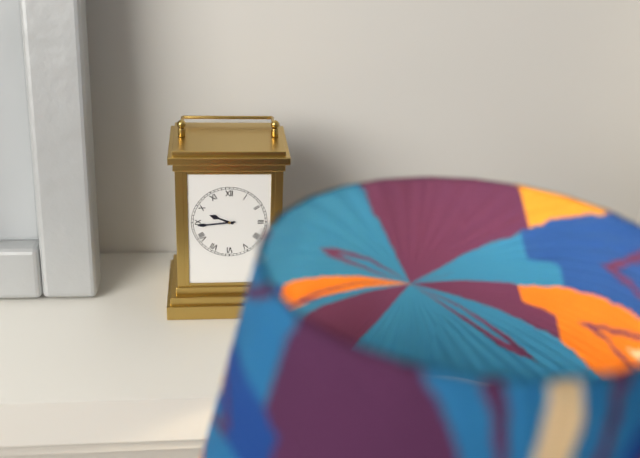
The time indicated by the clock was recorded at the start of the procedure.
9:44
